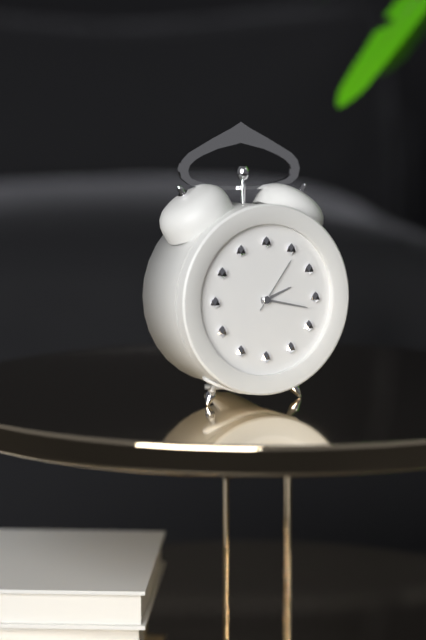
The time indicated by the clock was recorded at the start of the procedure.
2:17:06
